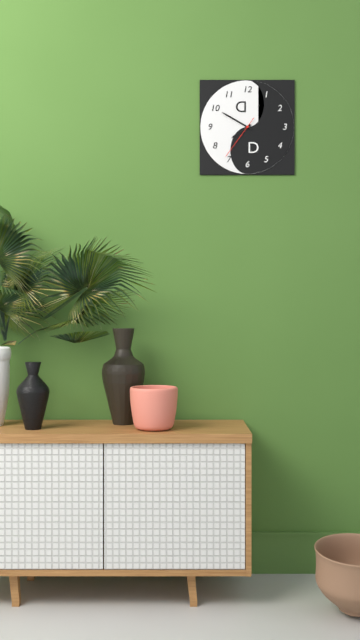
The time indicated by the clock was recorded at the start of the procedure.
7:50
